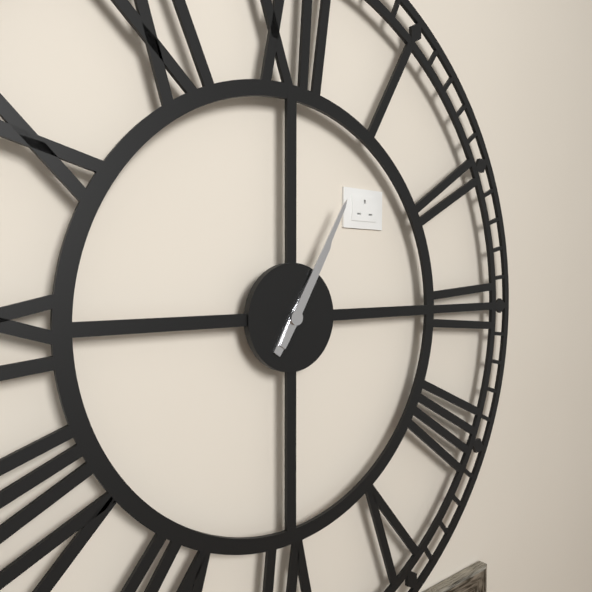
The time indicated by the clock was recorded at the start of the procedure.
1:05
